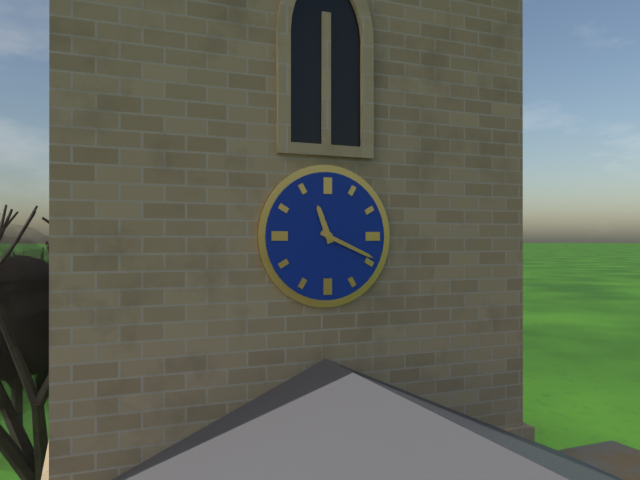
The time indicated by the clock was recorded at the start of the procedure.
11:19
